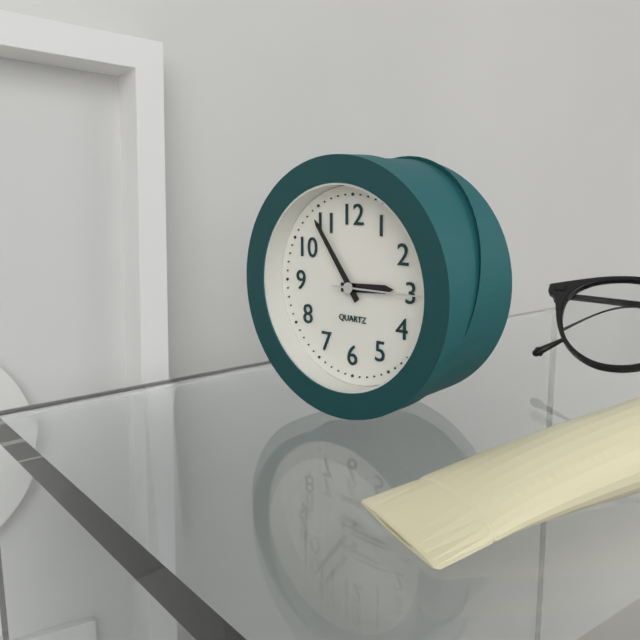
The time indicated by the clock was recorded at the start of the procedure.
2:54:15
